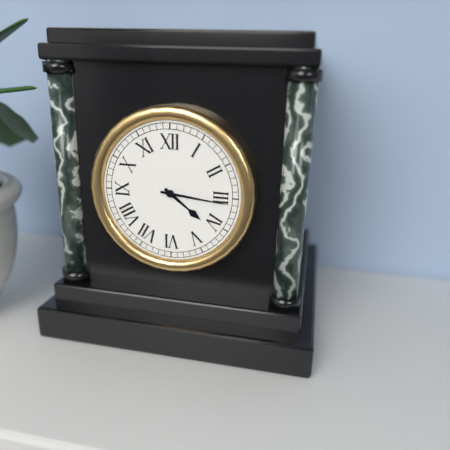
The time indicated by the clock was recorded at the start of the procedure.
4:16
